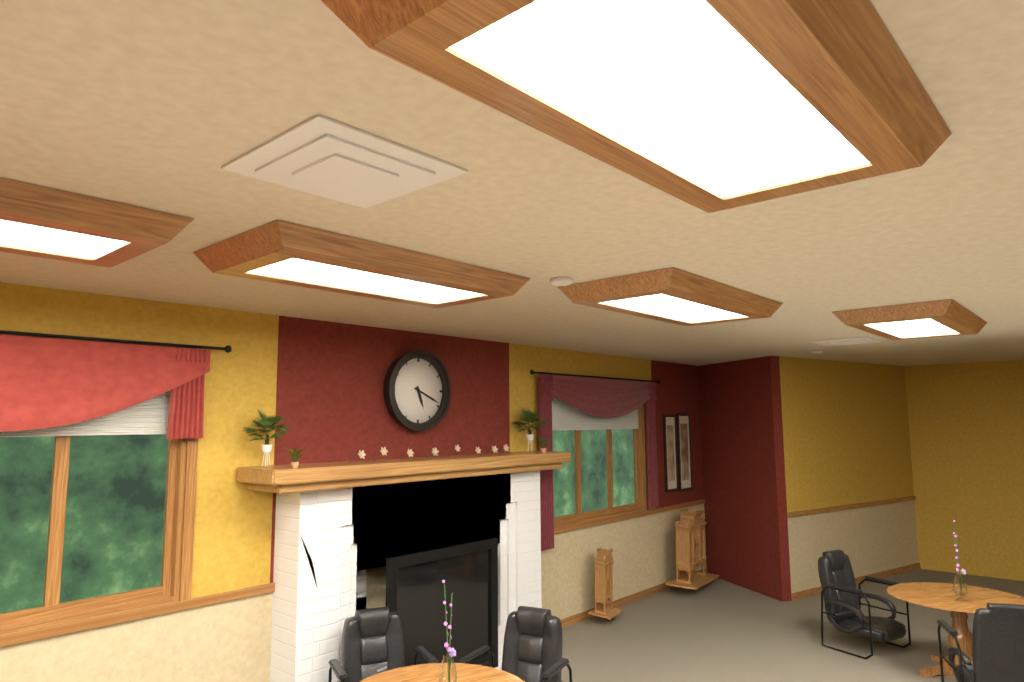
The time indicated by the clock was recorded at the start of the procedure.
5:19
